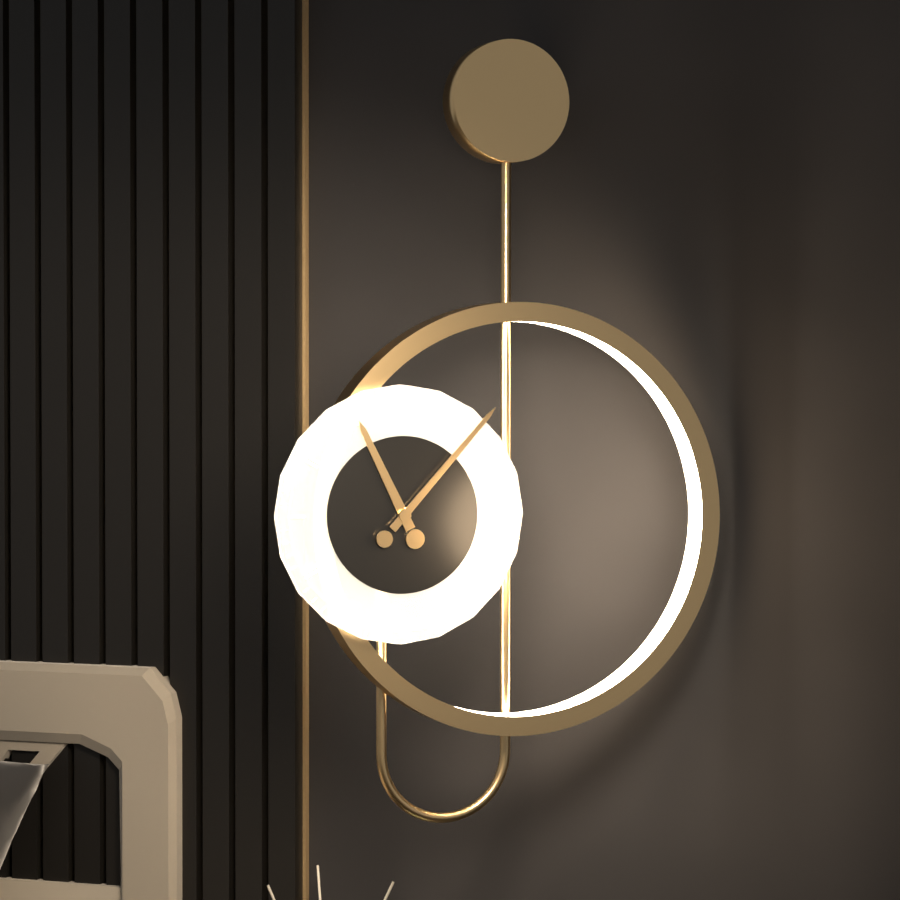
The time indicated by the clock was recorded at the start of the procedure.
11:07
